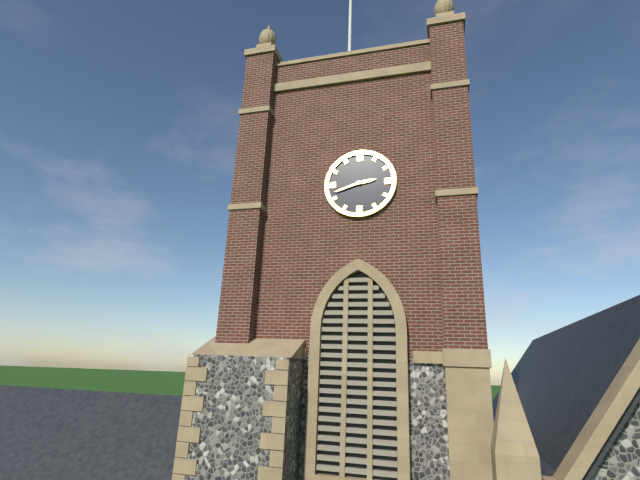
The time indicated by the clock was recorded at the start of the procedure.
2:42
